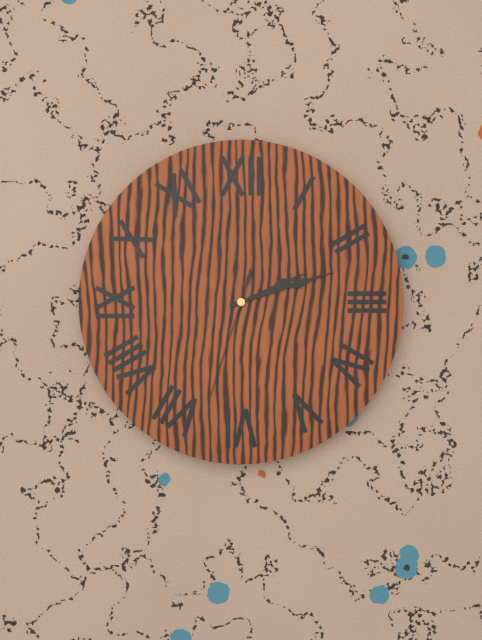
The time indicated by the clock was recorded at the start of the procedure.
2:12:33
